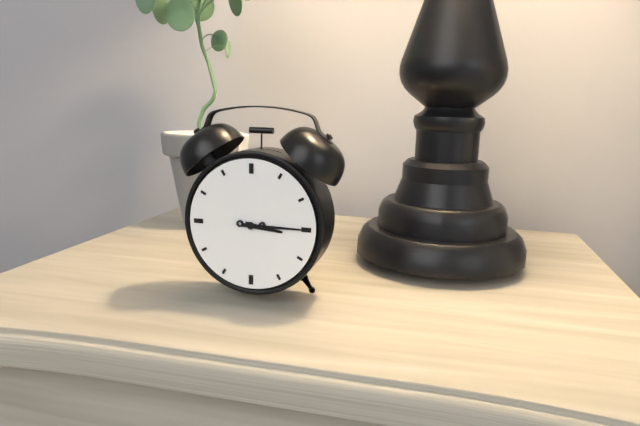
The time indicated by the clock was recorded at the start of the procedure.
3:15
